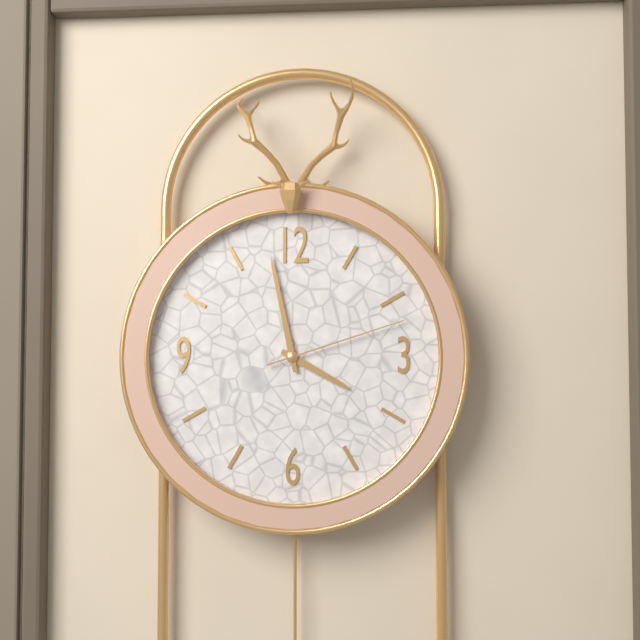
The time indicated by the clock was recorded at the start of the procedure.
3:58:12
